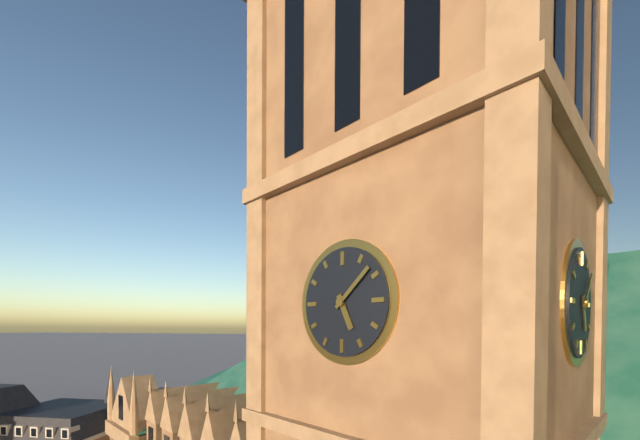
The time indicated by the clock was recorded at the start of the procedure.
5:08
